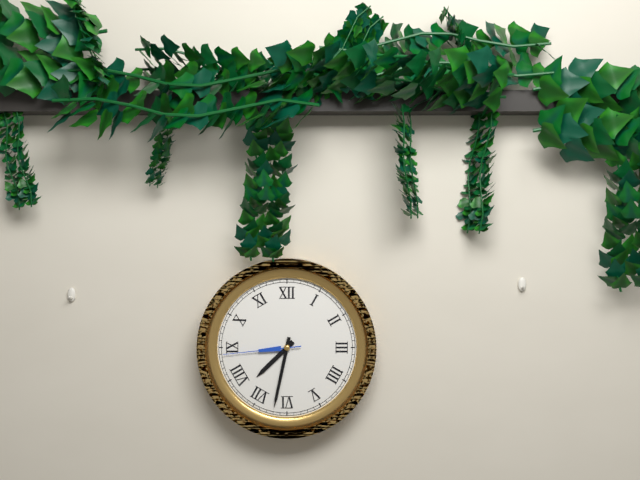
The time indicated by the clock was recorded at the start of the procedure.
7:32:44
